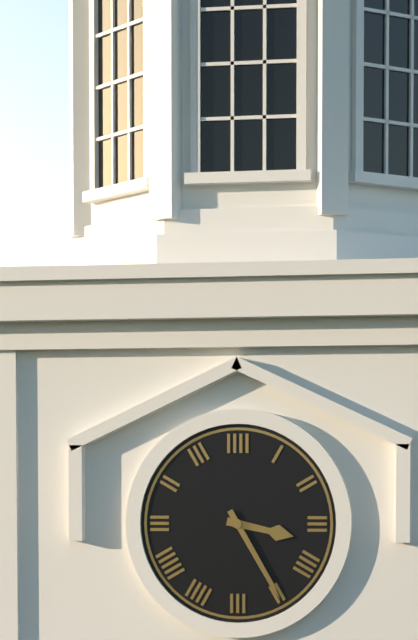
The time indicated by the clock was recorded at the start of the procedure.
3:25
